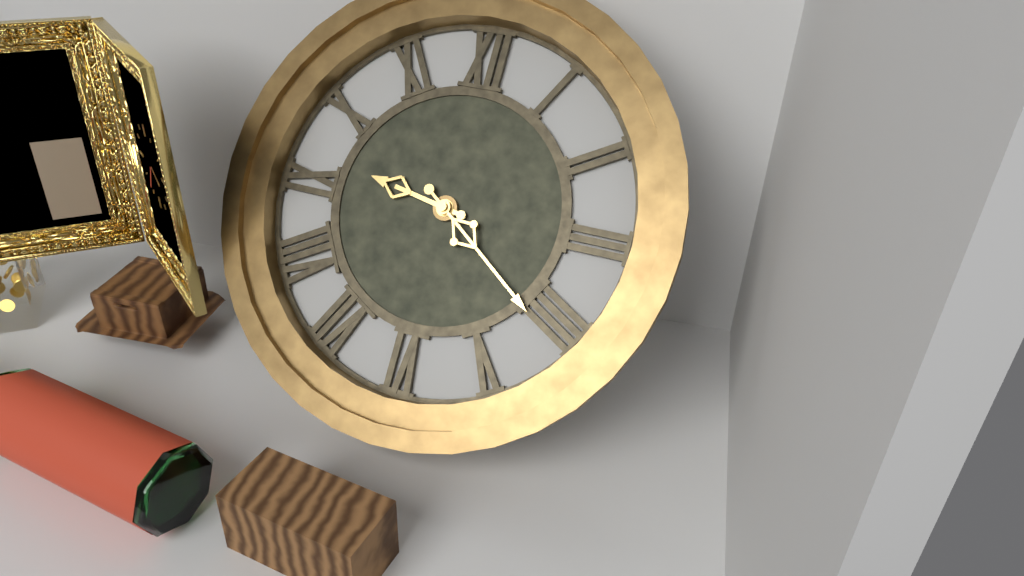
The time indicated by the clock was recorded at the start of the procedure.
9:21
